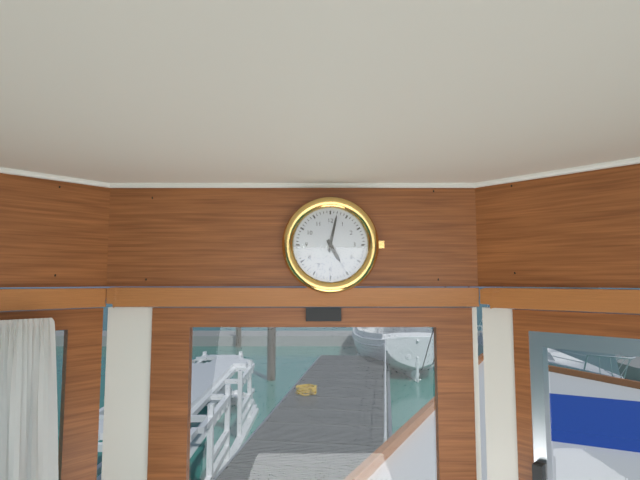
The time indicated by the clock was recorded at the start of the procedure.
5:02
